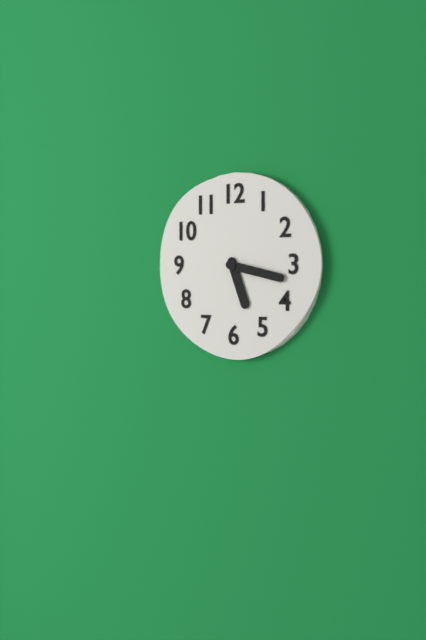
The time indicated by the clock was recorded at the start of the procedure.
5:17
